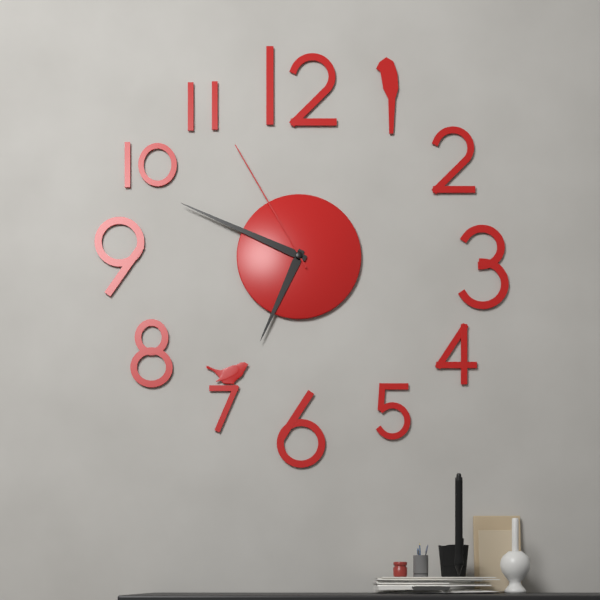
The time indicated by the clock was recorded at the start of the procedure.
6:49:55
